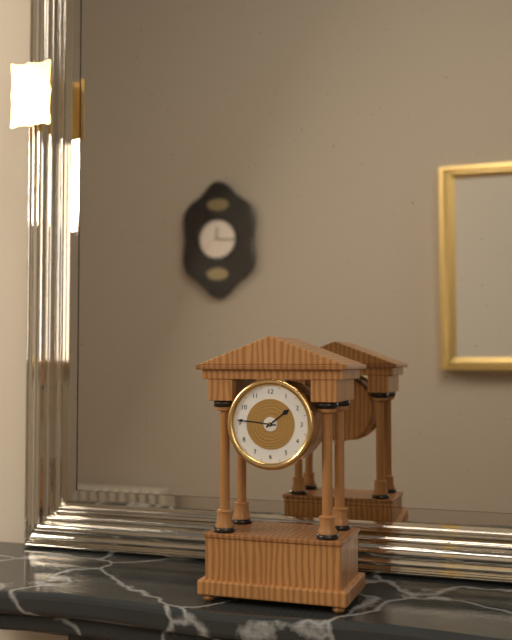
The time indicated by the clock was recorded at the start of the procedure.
1:46
